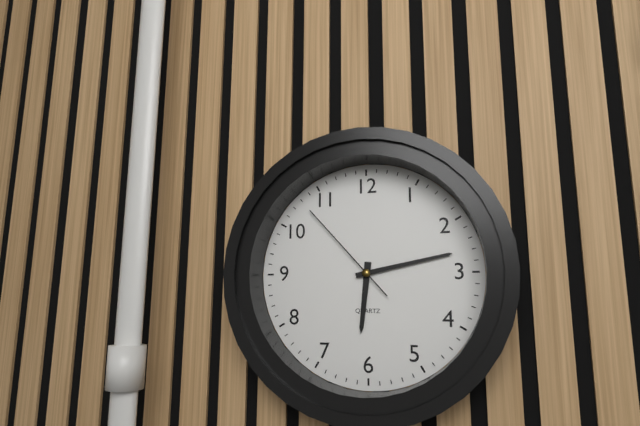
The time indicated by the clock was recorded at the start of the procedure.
6:13:53
